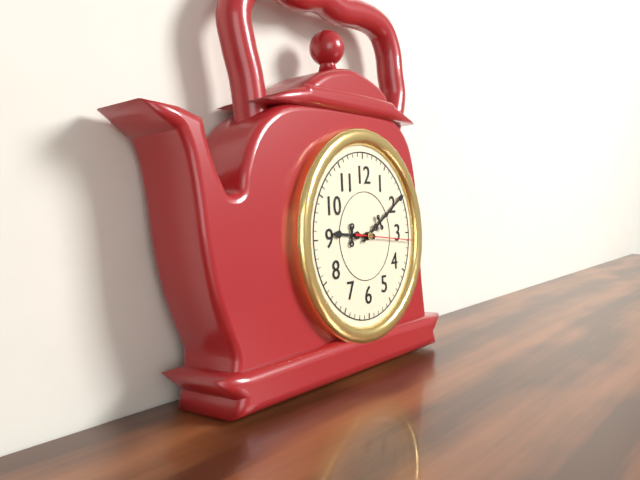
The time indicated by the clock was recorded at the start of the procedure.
9:10:16
